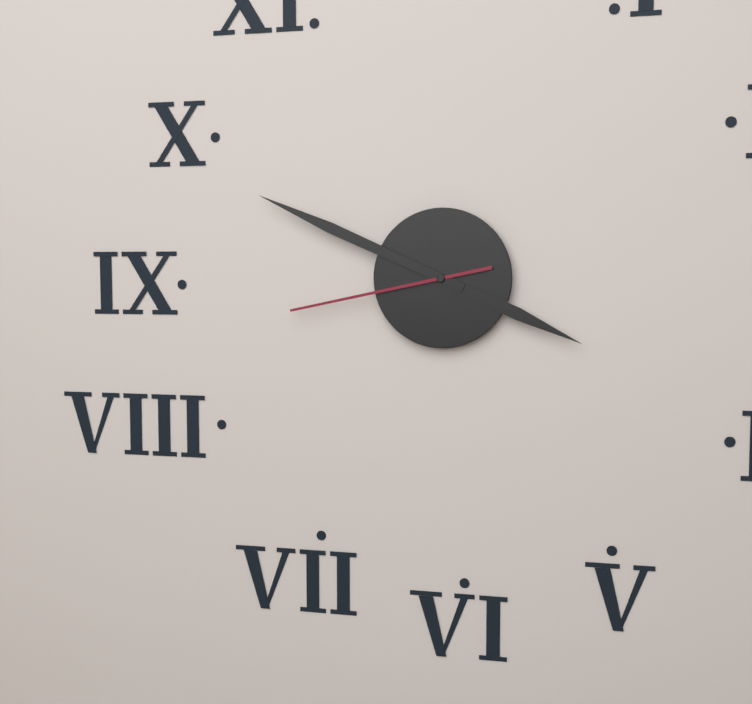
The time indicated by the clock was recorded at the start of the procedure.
3:49:43
